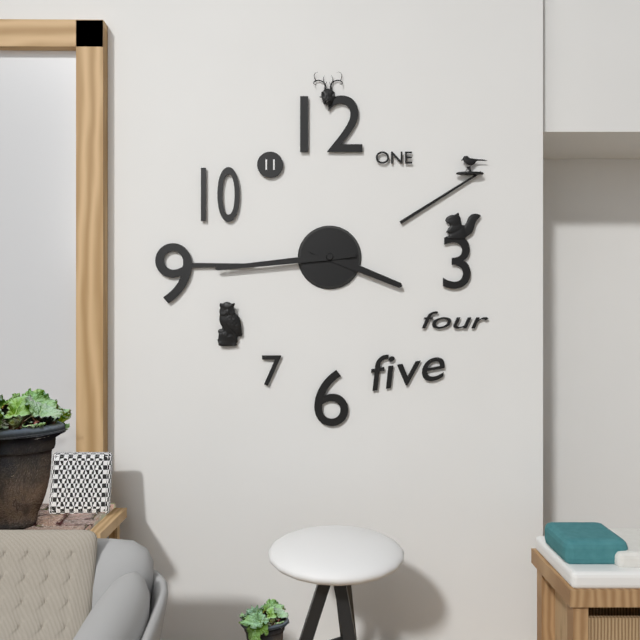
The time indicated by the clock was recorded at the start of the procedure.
3:44
